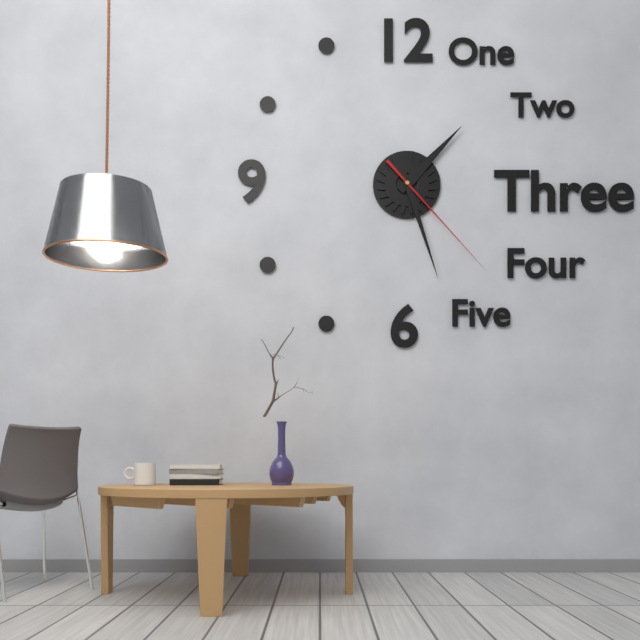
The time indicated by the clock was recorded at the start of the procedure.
1:27:23
